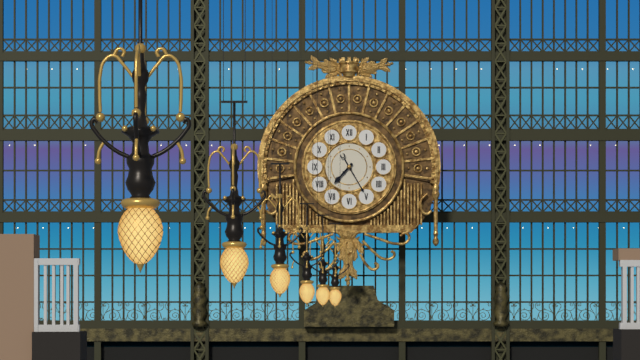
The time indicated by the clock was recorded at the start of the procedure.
7:25
